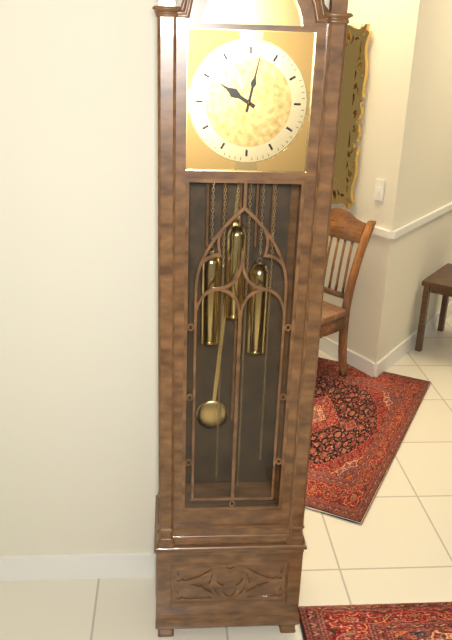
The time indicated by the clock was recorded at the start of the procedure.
10:02
